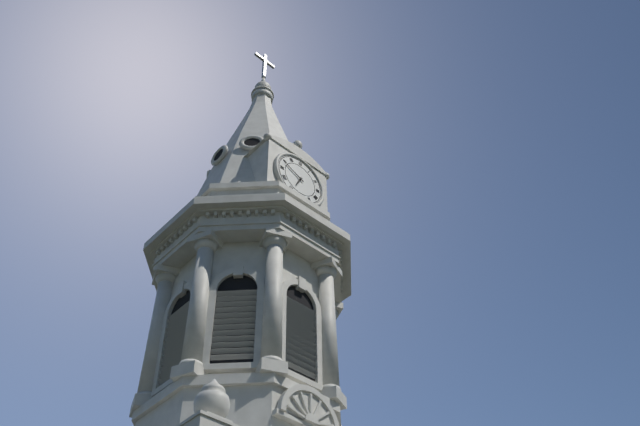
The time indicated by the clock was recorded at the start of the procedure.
6:49
